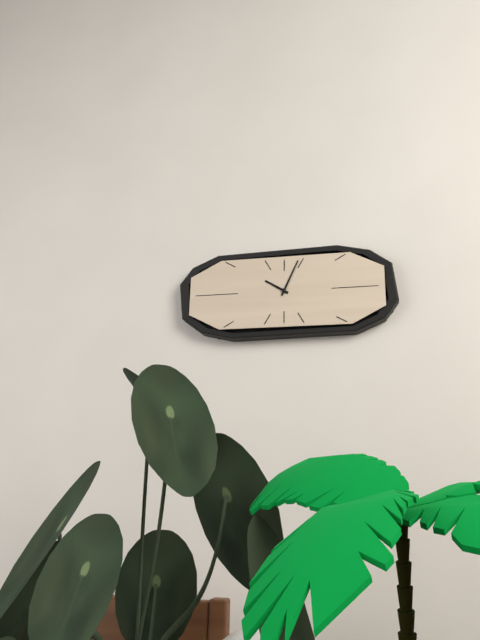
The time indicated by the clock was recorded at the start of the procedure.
10:04
